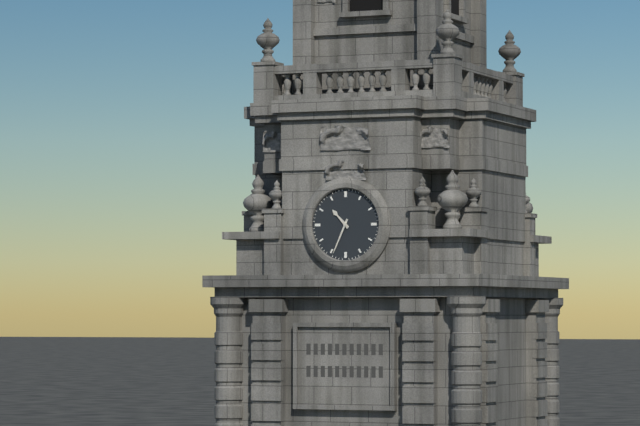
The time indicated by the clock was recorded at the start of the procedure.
10:34
